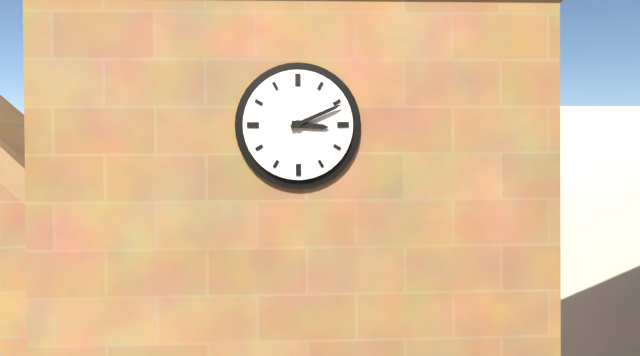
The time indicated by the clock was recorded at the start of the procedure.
3:11
